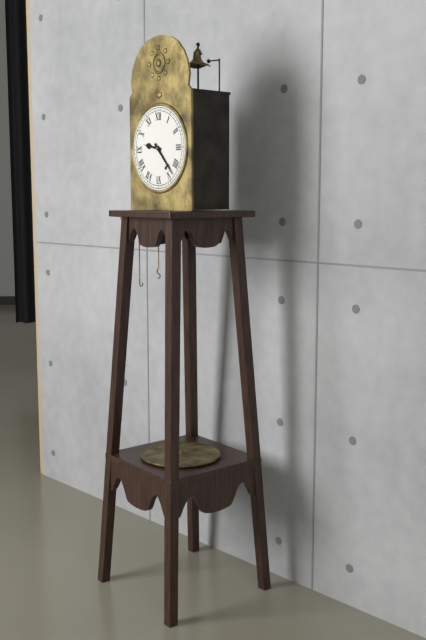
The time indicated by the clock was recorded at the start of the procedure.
9:23
